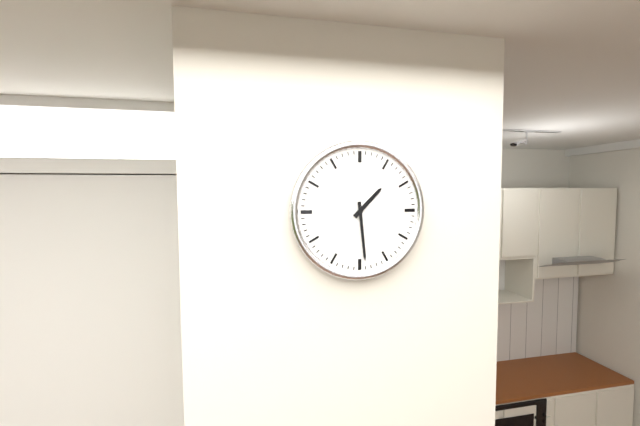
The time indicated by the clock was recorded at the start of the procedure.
1:29
